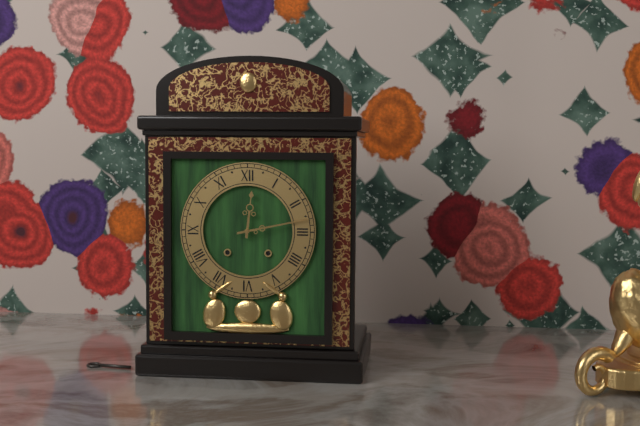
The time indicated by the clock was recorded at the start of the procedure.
12:13
